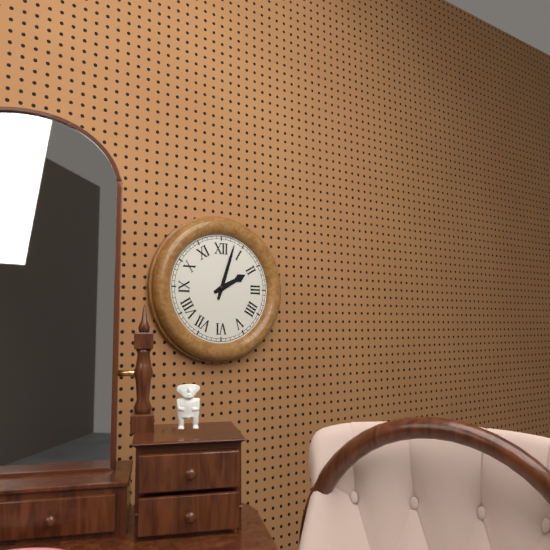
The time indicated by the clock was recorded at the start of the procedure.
2:03
